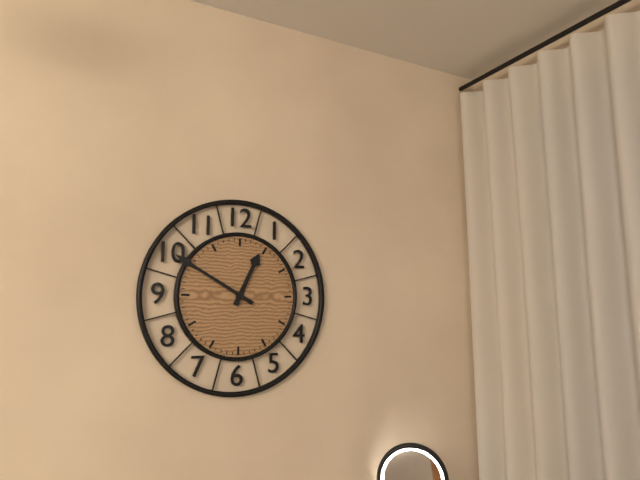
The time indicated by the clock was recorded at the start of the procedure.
12:50
